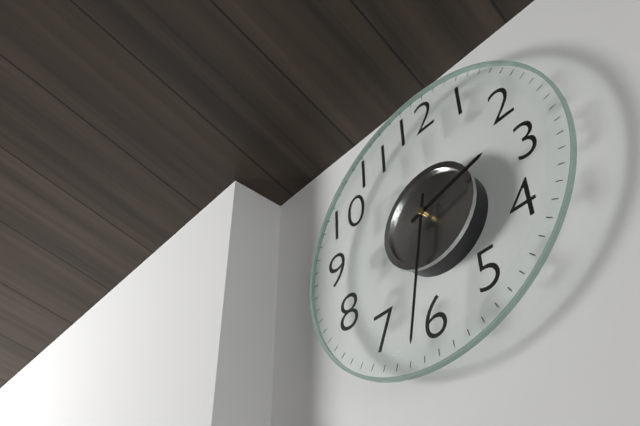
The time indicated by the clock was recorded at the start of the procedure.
2:32
